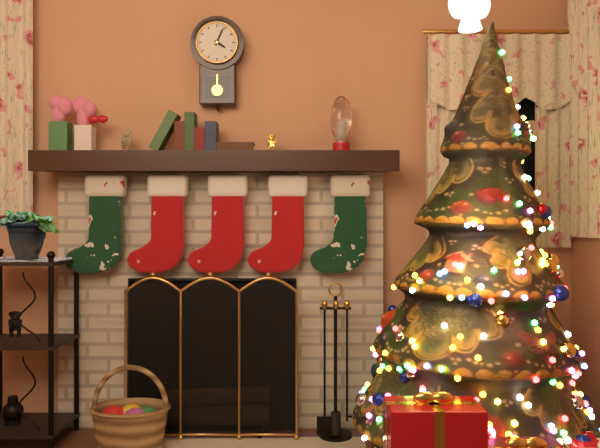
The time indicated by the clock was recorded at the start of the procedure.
4:04
